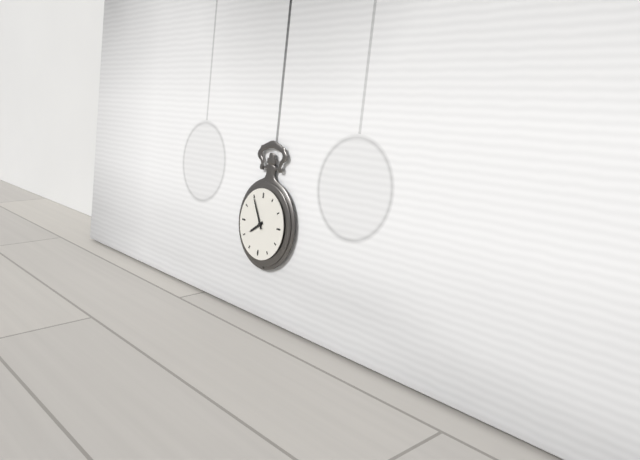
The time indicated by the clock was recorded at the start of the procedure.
7:55
